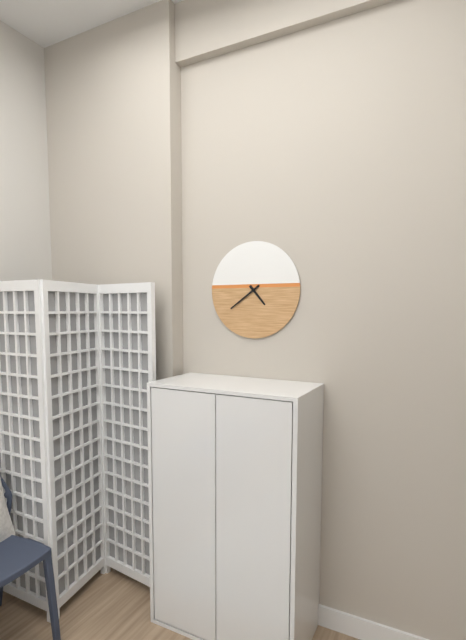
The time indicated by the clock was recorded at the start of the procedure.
4:39
